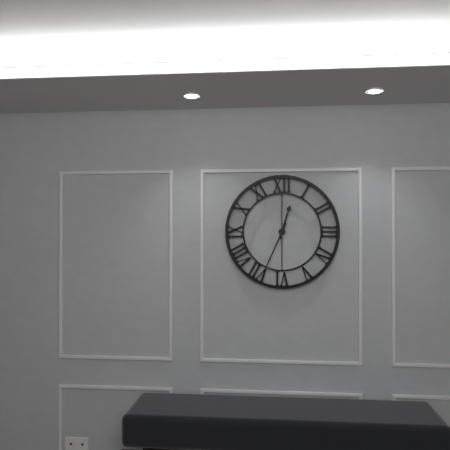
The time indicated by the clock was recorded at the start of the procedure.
12:34
